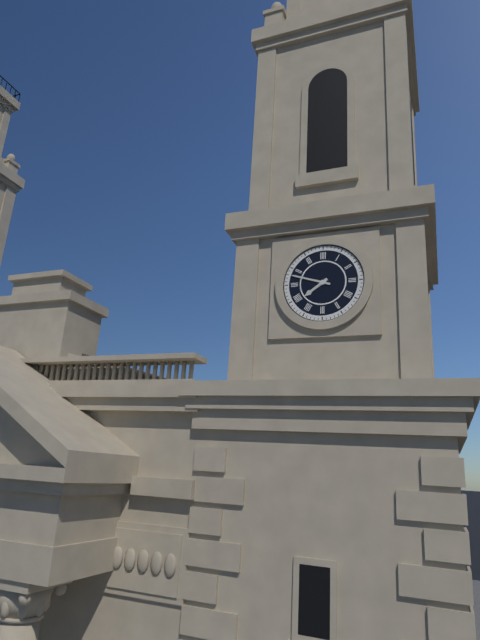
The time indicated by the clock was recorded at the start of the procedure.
7:48
